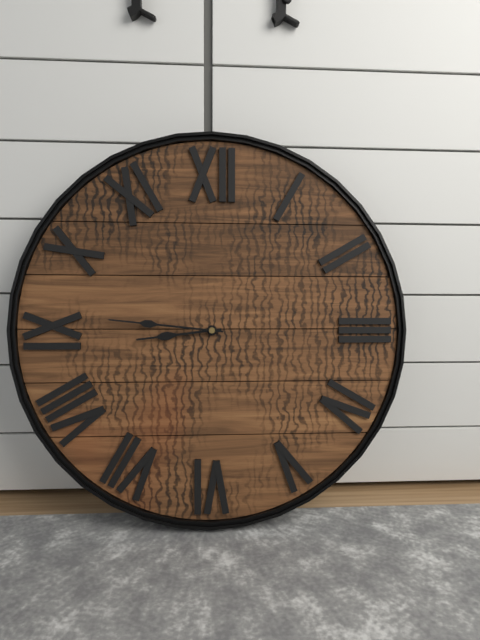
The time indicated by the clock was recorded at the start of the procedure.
8:46
